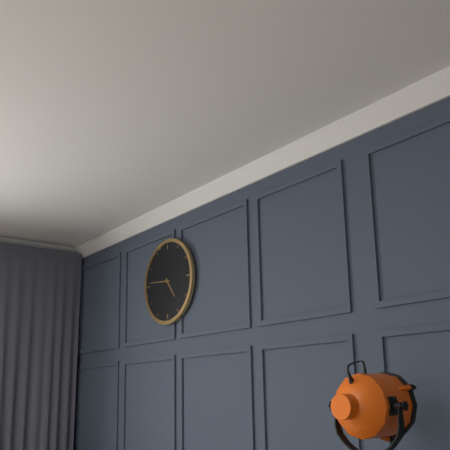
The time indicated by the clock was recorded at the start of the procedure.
4:46
